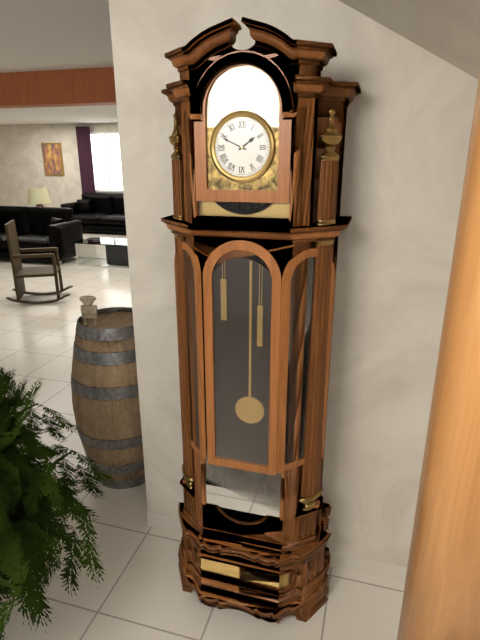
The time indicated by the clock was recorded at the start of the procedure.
1:49
